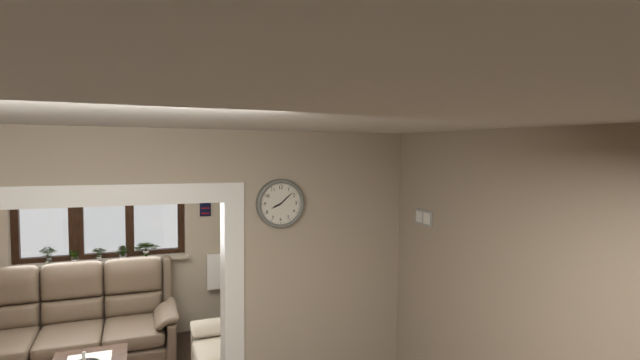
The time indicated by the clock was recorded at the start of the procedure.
8:08
